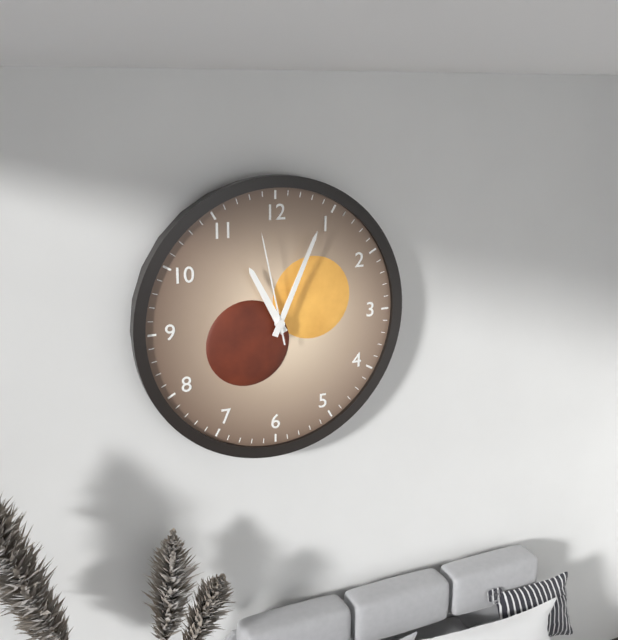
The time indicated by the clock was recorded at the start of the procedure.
11:04:58
